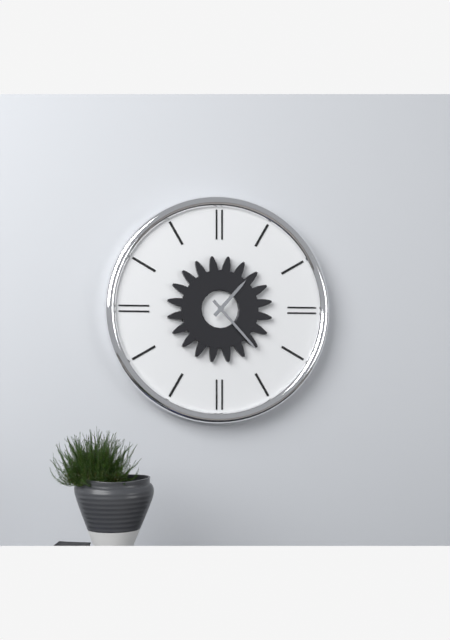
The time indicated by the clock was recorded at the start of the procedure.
1:23
